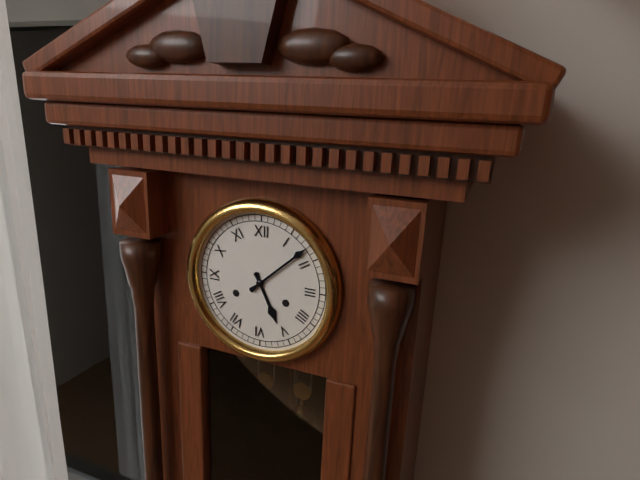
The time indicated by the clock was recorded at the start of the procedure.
5:08
